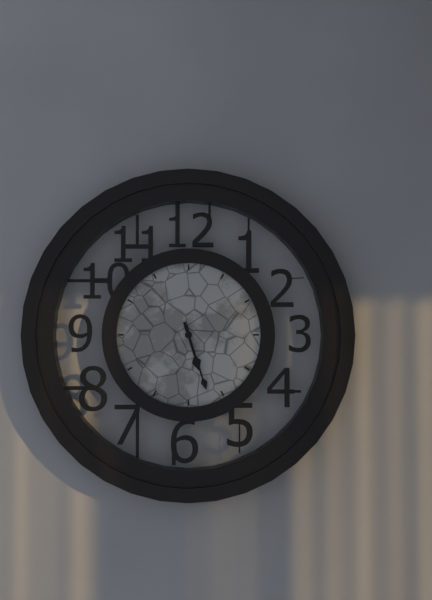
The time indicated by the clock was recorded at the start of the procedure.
5:27
